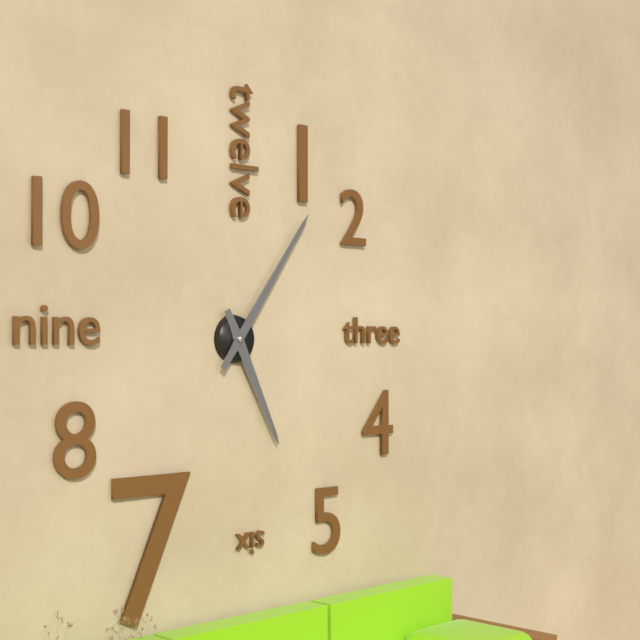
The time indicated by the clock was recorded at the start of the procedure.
5:06
